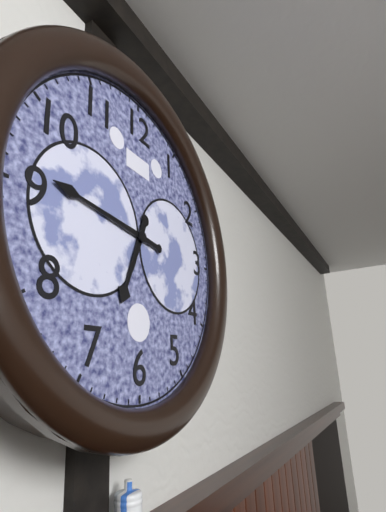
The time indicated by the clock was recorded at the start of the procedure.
6:46
